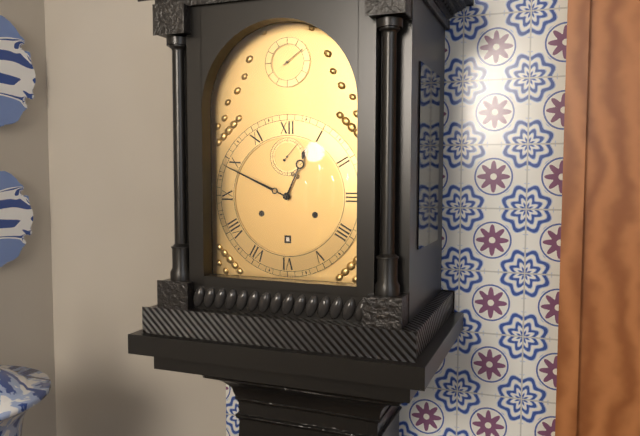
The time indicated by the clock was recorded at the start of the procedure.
12:49
